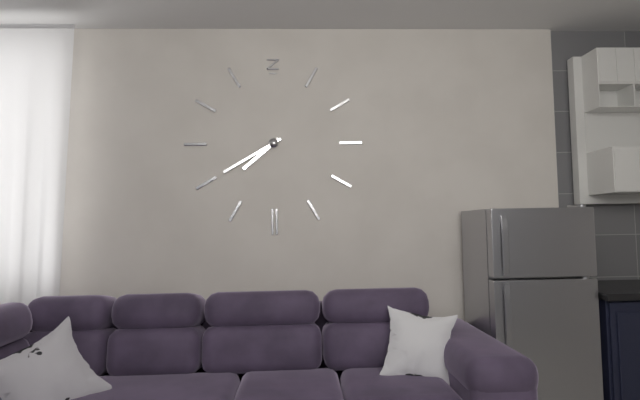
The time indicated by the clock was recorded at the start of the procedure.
7:40
